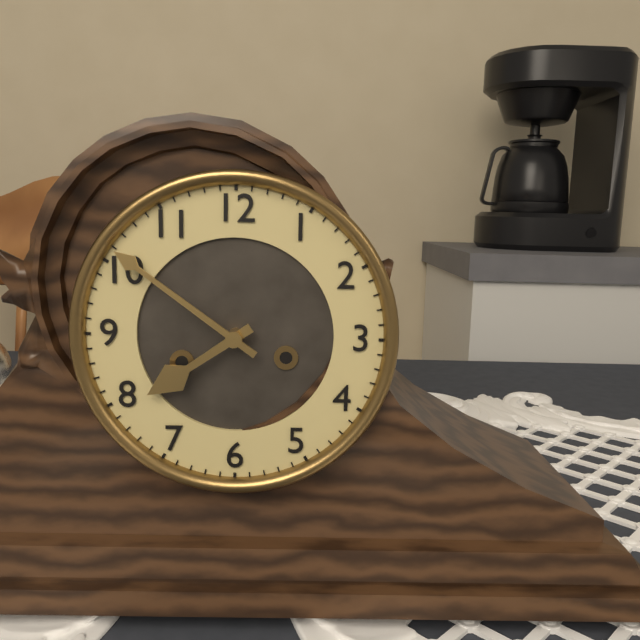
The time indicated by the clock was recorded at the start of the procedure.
7:51
